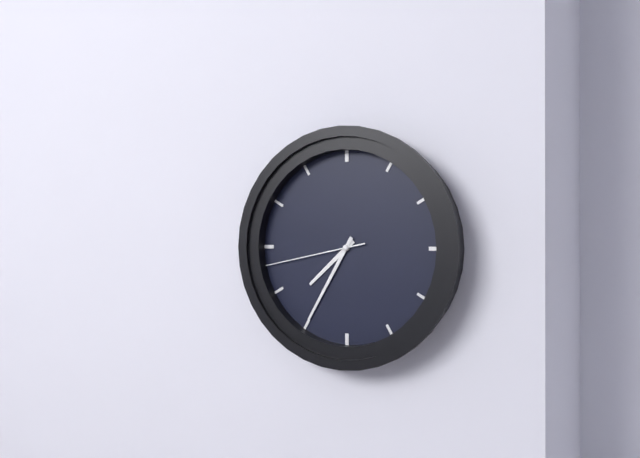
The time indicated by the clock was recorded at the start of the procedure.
7:35:43
